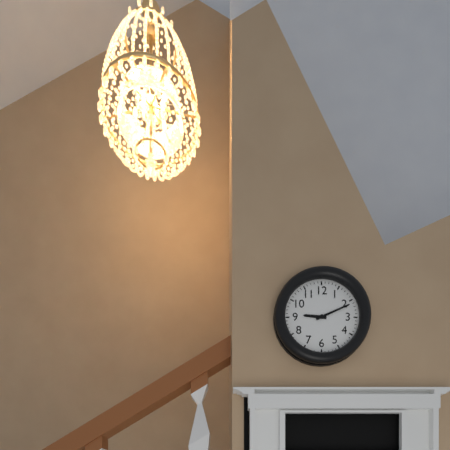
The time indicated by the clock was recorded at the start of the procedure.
9:11
